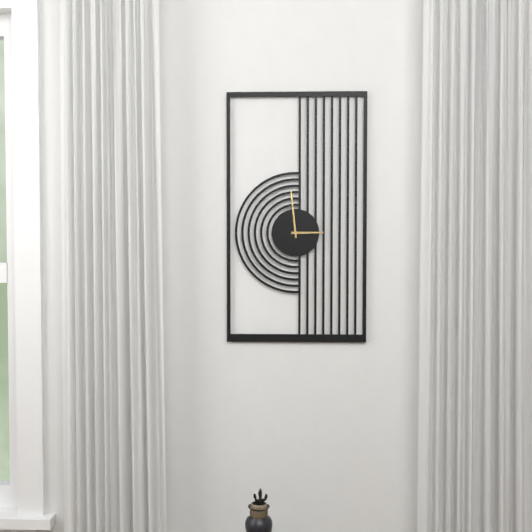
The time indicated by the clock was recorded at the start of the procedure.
2:59
